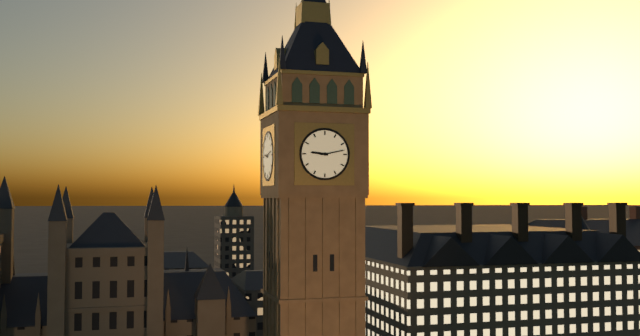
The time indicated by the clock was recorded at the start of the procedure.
9:13
